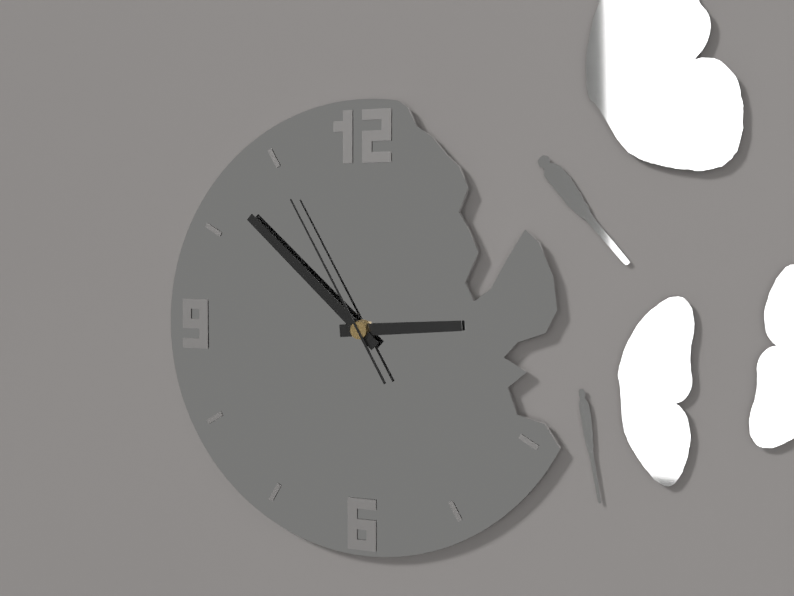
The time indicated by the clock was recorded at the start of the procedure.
2:52:55
